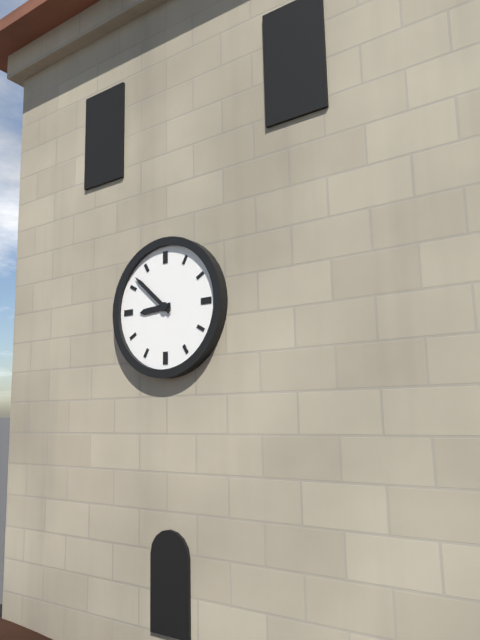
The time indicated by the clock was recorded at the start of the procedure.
8:52
